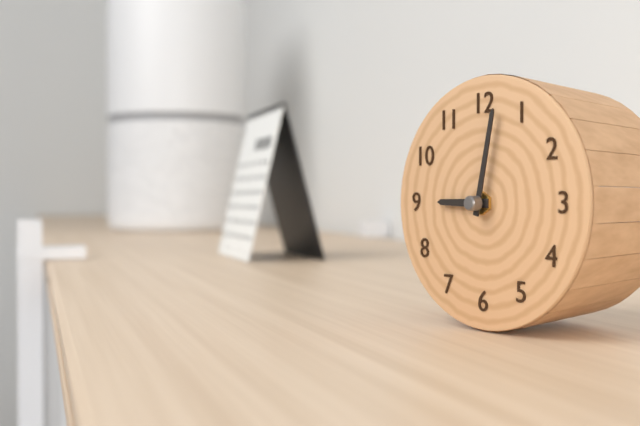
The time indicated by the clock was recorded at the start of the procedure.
9:02
